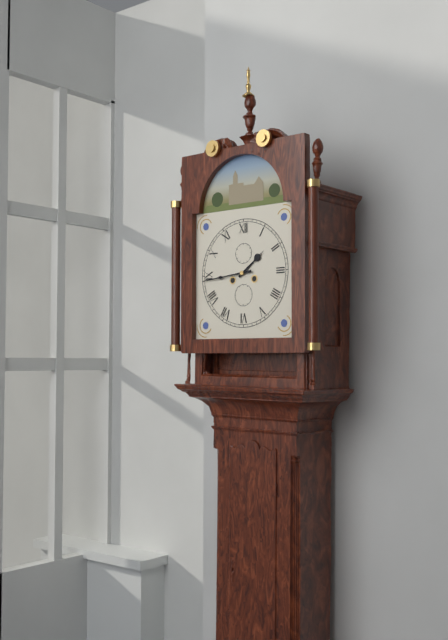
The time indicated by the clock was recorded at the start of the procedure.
1:44
